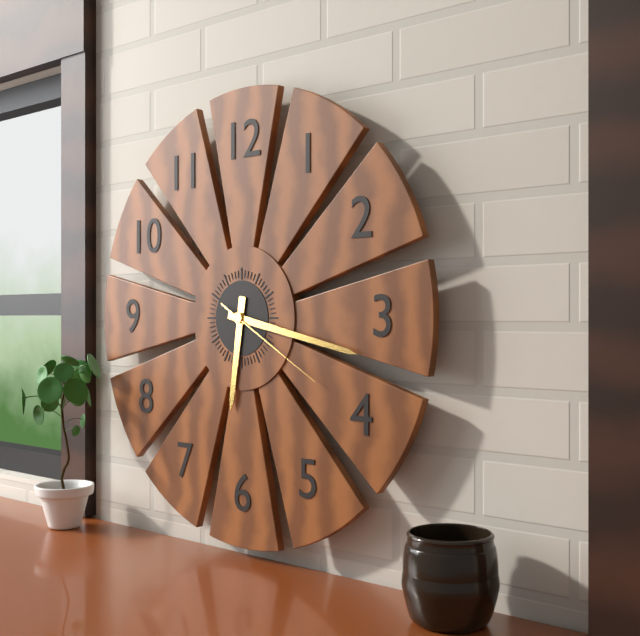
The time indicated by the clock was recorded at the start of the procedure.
6:17:20
